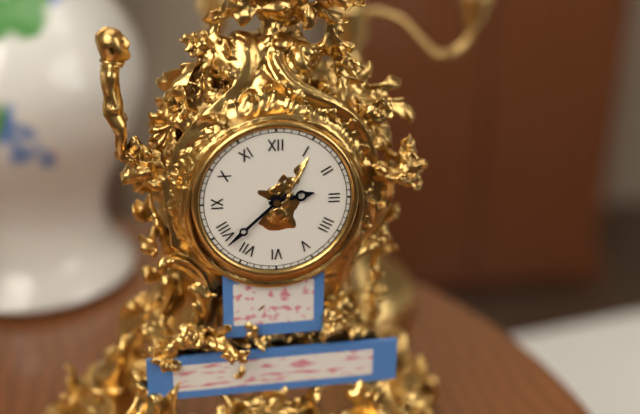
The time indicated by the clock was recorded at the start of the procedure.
2:38
